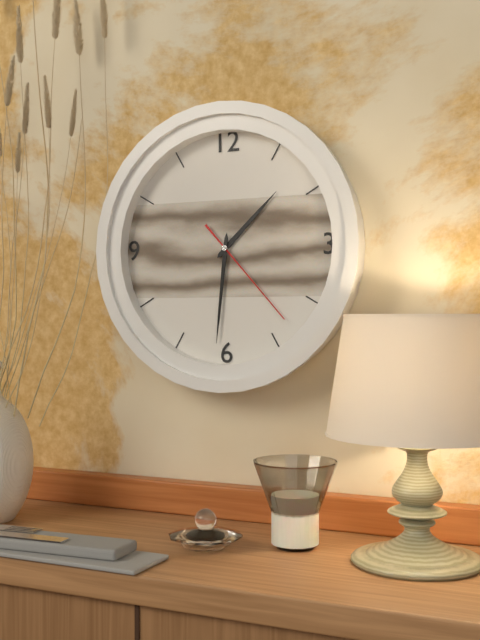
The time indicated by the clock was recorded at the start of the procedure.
1:31:23
